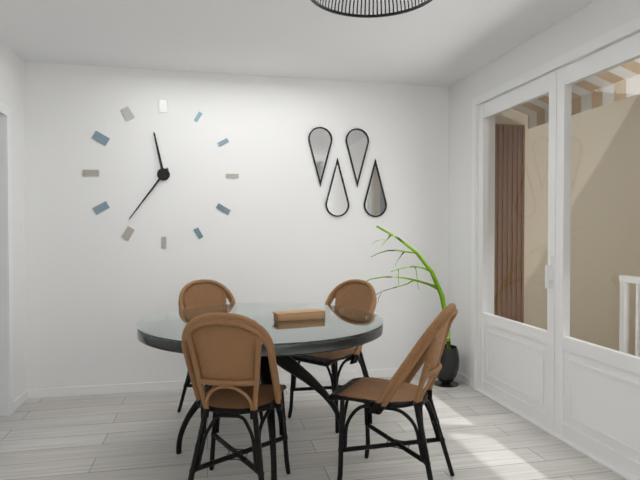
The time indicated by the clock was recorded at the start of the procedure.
11:36
